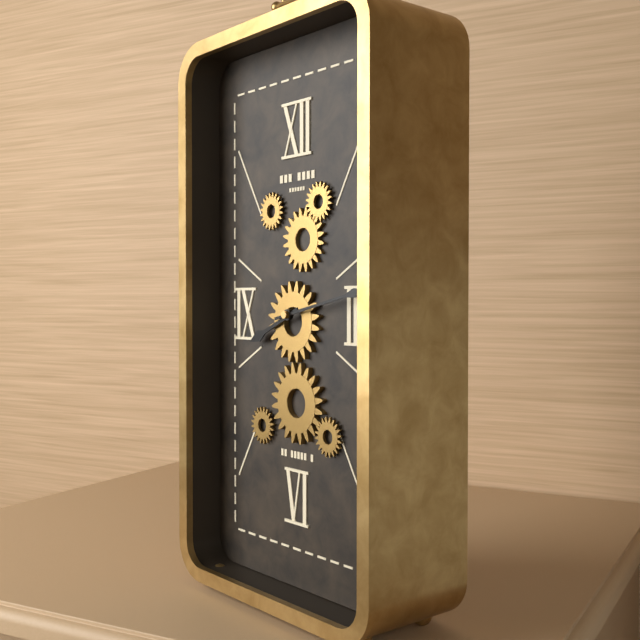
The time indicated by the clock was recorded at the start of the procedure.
8:13
